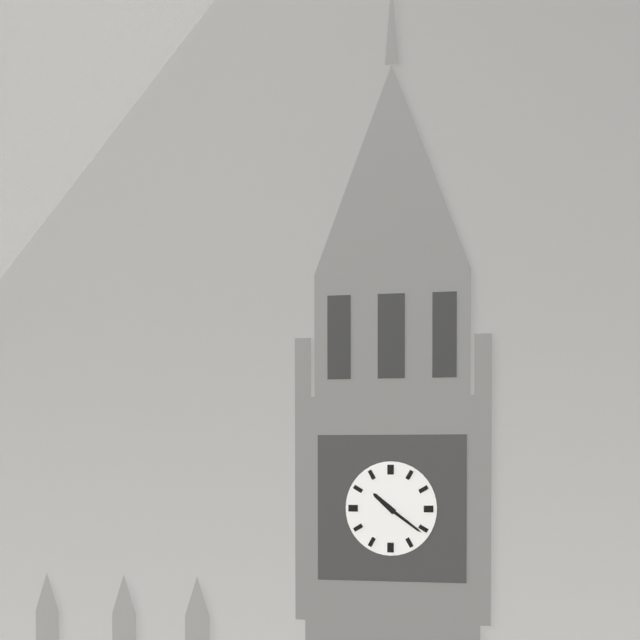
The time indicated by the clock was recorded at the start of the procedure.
10:21
